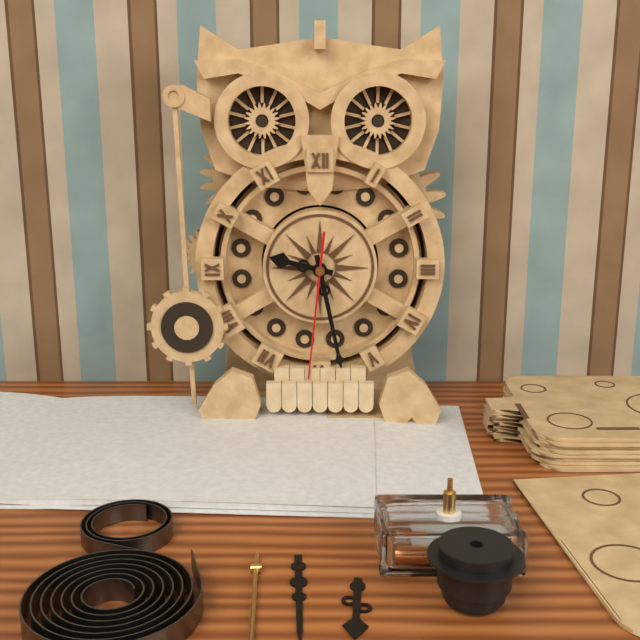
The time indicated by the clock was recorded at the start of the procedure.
9:28:31
